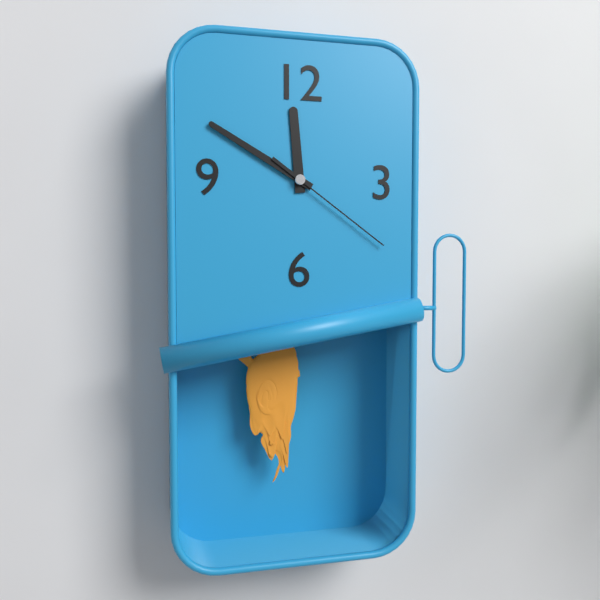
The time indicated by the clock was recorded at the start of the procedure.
11:50:21
